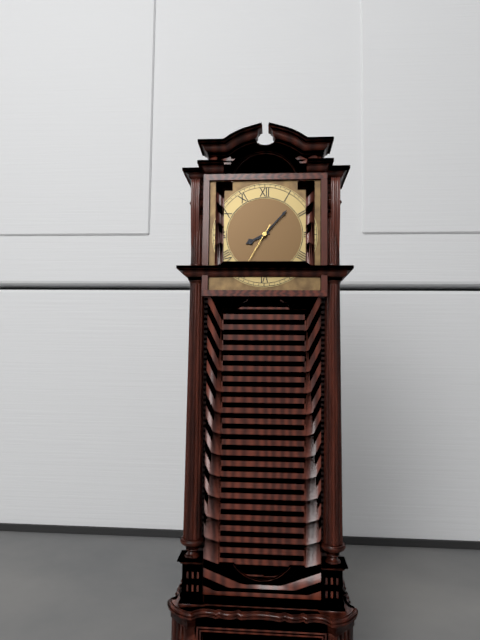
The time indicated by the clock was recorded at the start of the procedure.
8:07
